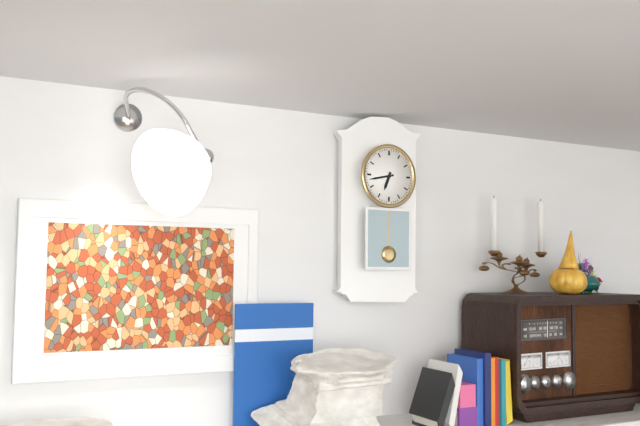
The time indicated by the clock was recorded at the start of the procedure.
6:43
